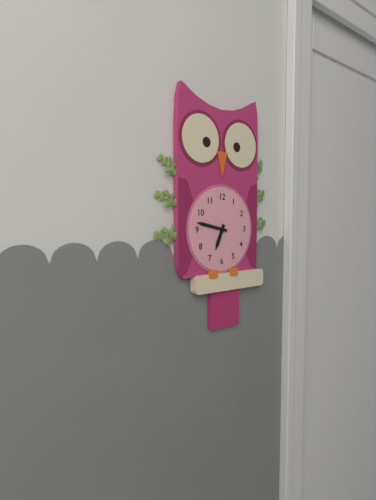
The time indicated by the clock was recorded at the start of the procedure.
6:47
